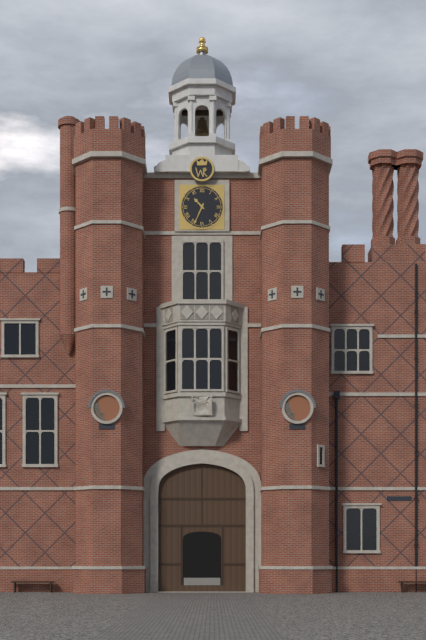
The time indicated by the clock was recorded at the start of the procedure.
10:34
